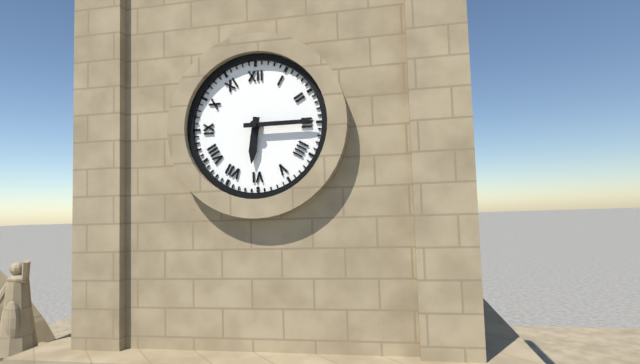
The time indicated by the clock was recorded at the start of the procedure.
6:15
